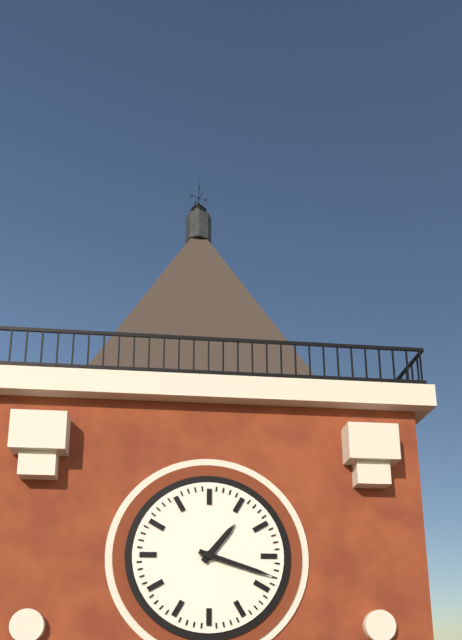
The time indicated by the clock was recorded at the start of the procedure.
1:18
